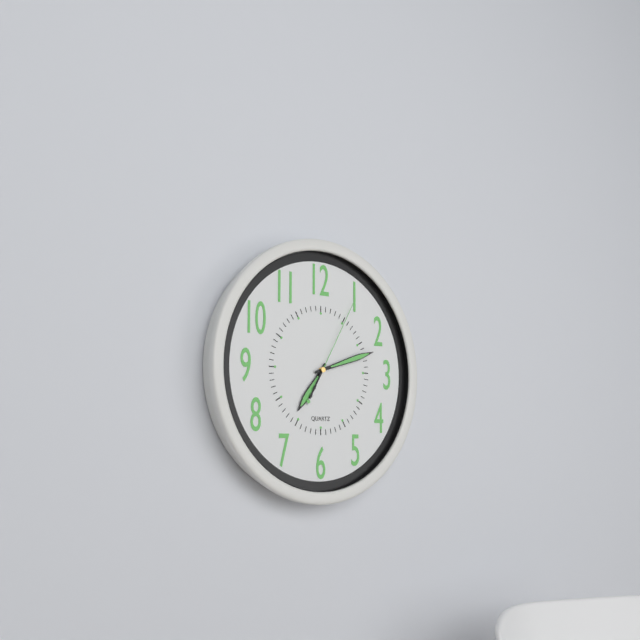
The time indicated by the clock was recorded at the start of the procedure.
7:12:05
